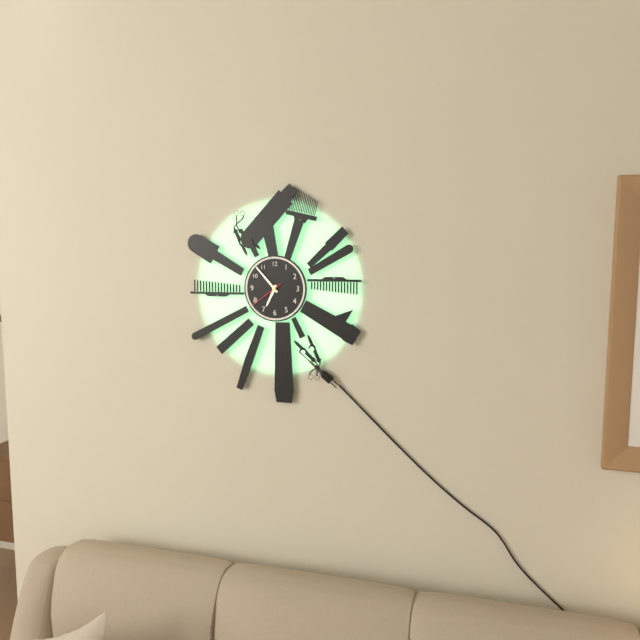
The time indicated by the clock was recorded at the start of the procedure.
6:53
